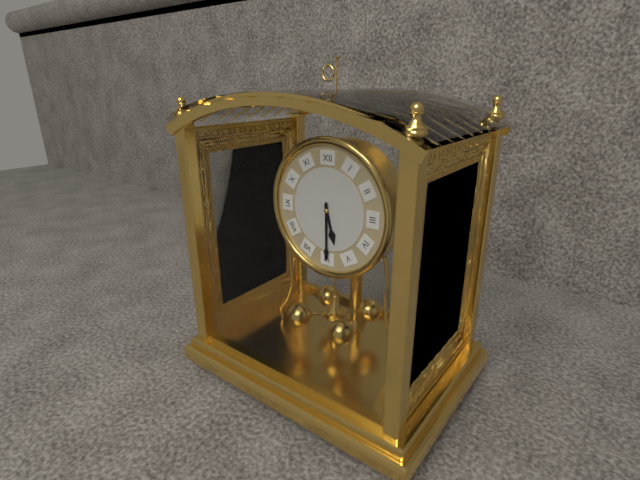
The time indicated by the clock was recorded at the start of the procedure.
5:30
